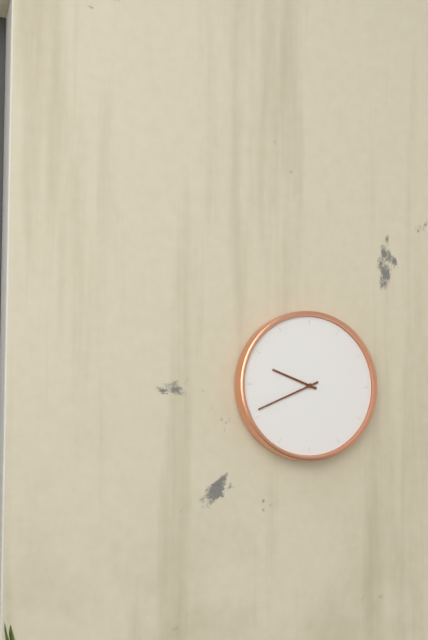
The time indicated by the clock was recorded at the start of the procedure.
9:41
